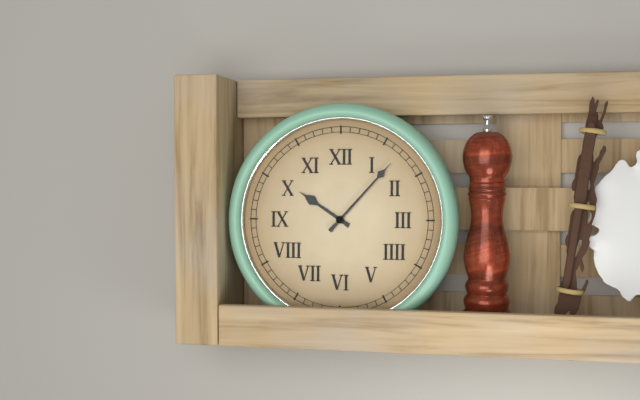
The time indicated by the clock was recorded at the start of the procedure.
10:07
